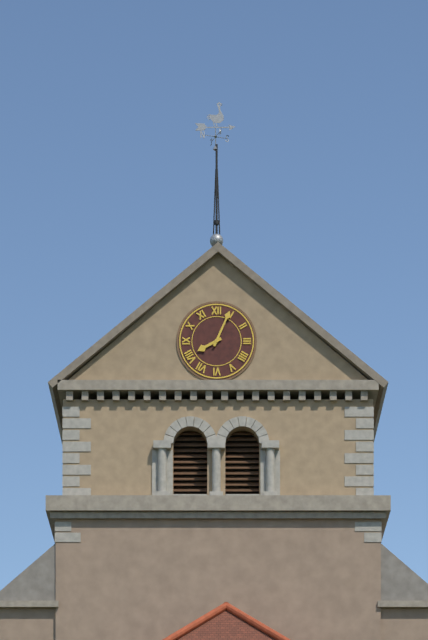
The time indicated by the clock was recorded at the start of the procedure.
8:04
